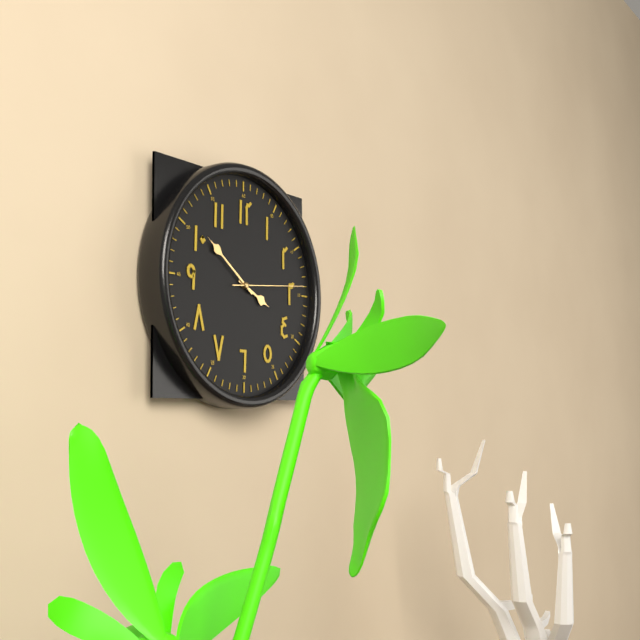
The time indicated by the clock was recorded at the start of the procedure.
3:51:14
